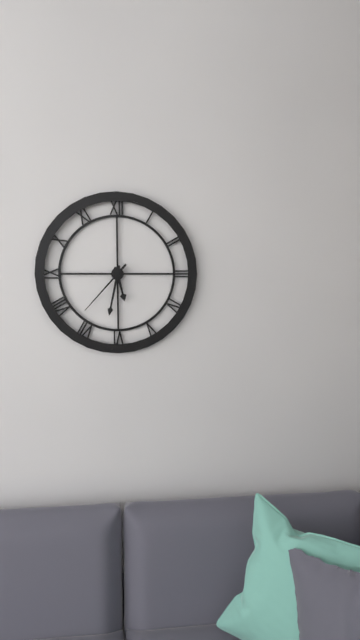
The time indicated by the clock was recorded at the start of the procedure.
5:32:37
